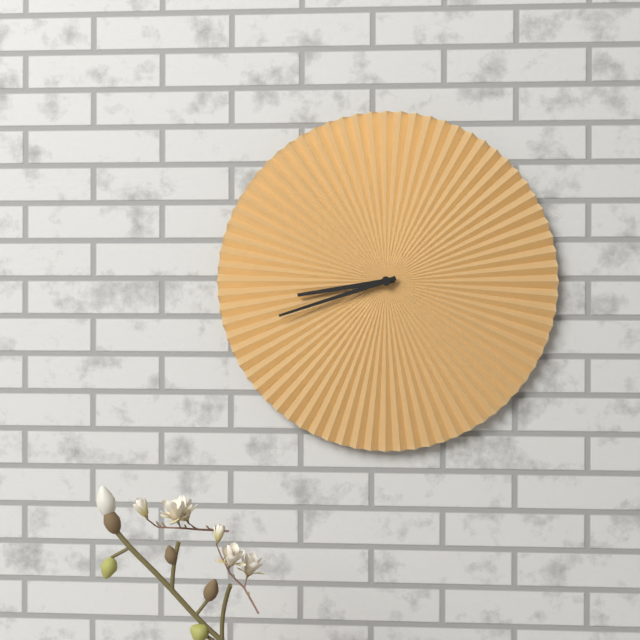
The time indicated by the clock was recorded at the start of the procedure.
8:42
